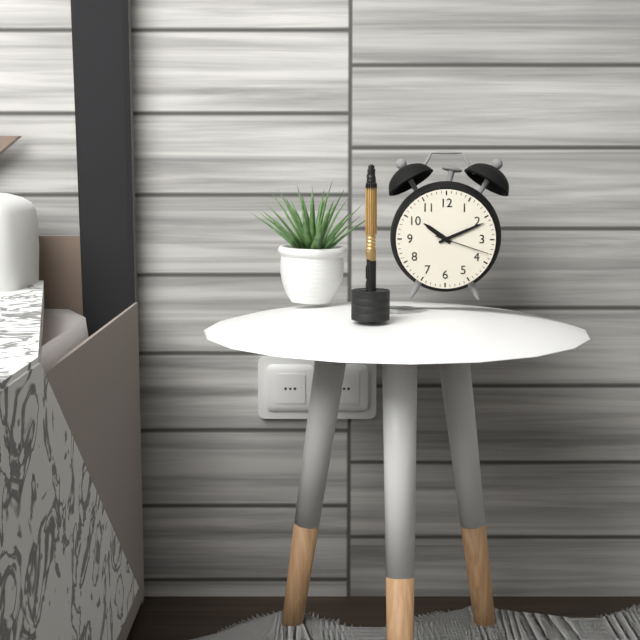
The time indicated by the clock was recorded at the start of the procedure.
10:11:18
